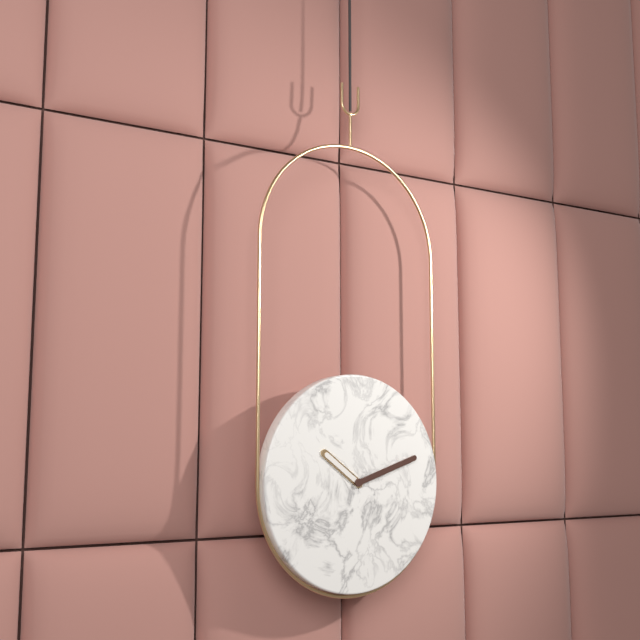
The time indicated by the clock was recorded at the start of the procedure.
10:12
